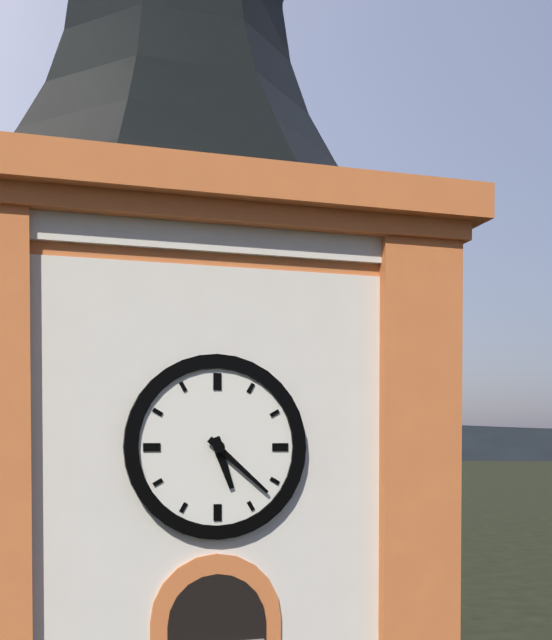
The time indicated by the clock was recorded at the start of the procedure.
5:22
